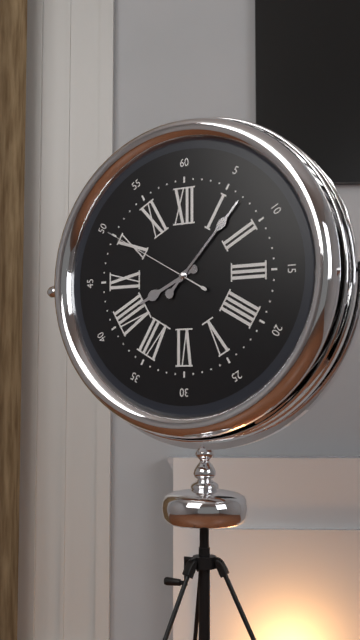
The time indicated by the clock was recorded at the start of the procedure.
8:07:50
